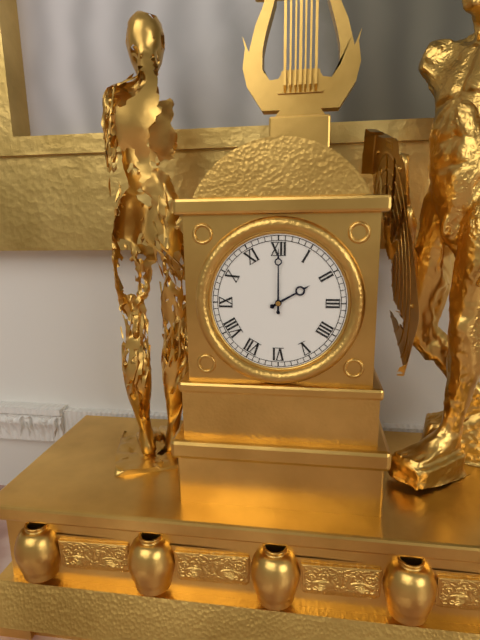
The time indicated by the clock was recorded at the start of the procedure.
2:00
